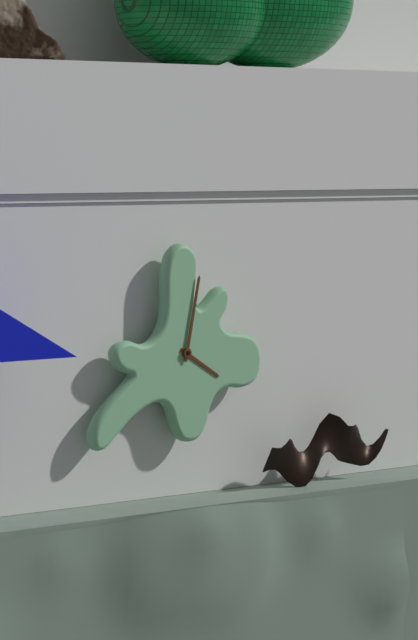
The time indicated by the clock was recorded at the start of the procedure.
4:02
